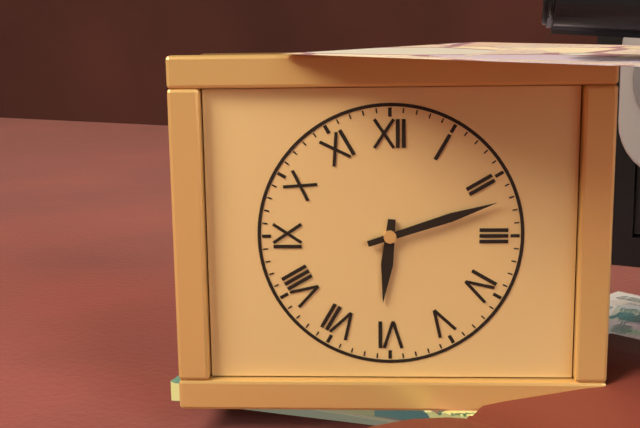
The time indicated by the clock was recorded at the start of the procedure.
6:12
